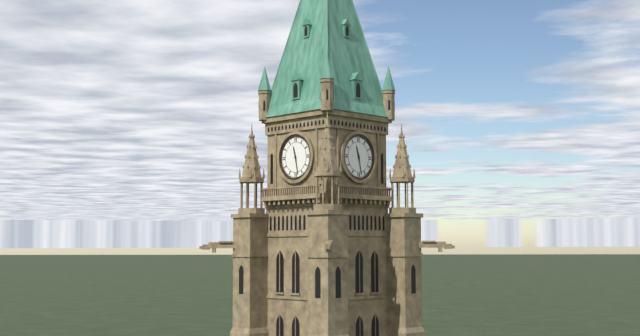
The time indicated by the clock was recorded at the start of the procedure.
11:28
